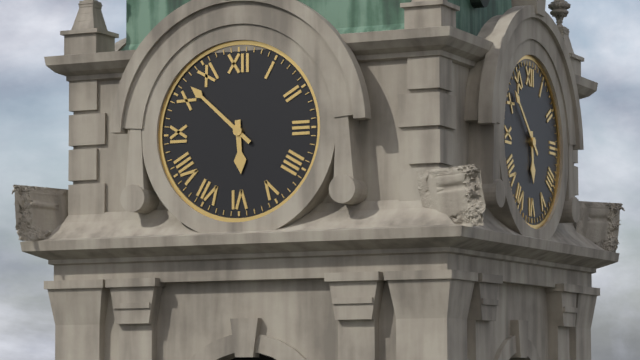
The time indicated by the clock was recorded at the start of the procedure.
5:52
